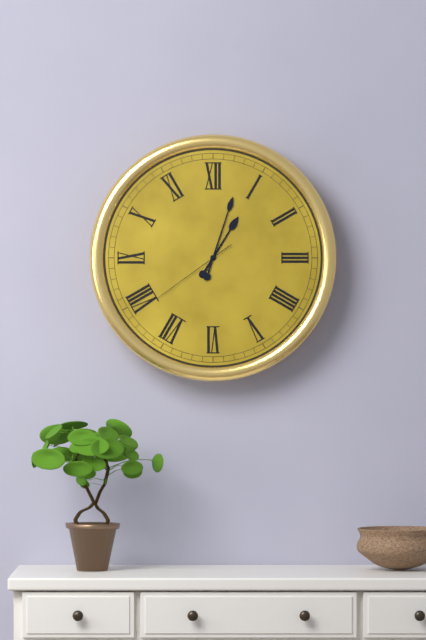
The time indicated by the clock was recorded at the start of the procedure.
1:03:39
